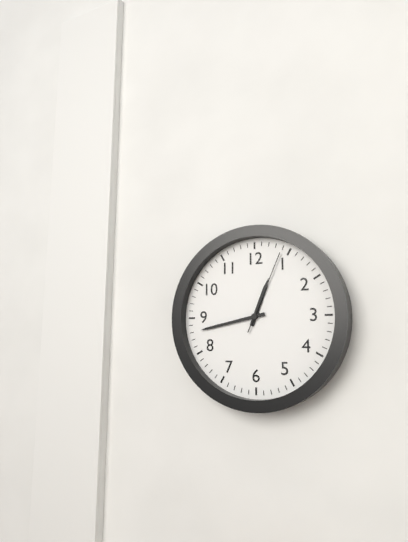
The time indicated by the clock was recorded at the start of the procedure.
12:43:04
